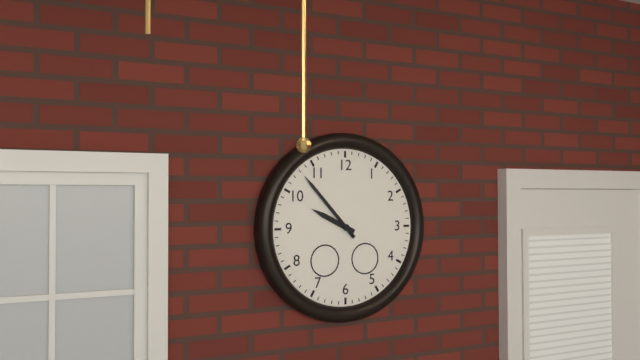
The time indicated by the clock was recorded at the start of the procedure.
9:53
